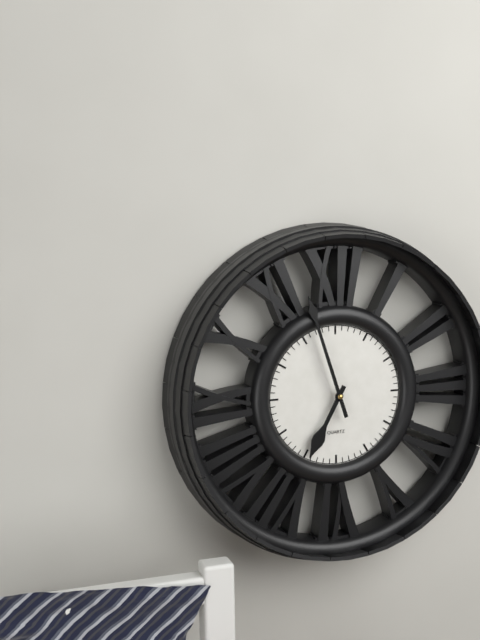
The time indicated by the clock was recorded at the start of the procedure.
6:57
